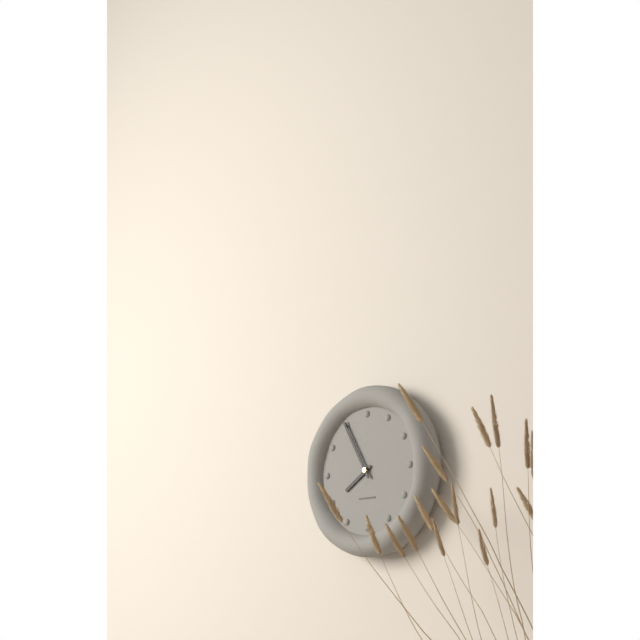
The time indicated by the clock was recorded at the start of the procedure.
7:55
